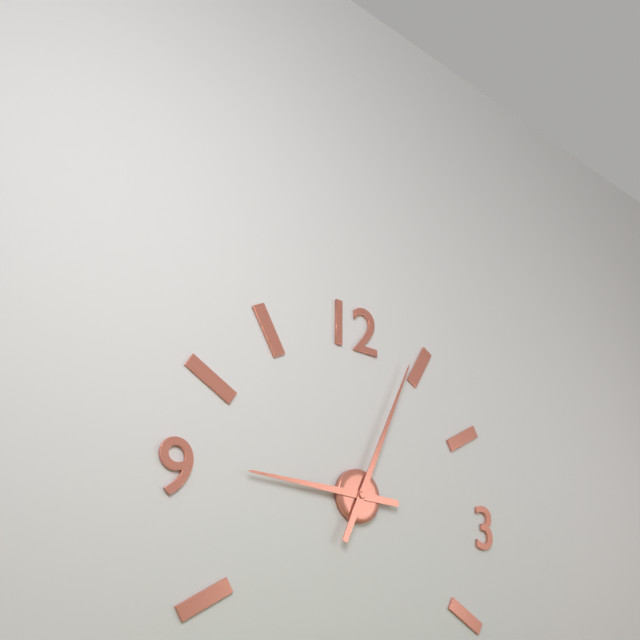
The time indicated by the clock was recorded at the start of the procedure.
9:04
